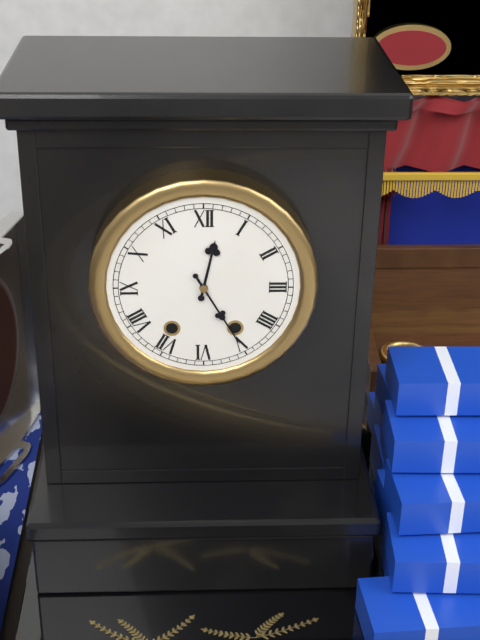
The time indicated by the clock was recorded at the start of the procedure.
12:25
